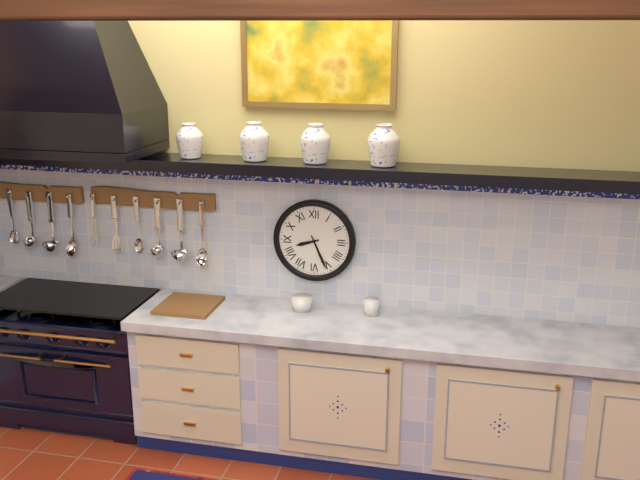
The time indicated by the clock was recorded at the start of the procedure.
8:26
